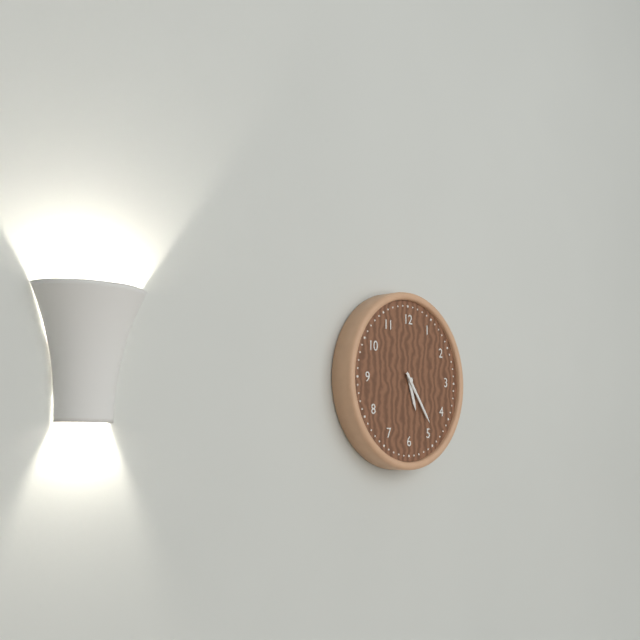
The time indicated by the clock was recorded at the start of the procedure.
5:24
